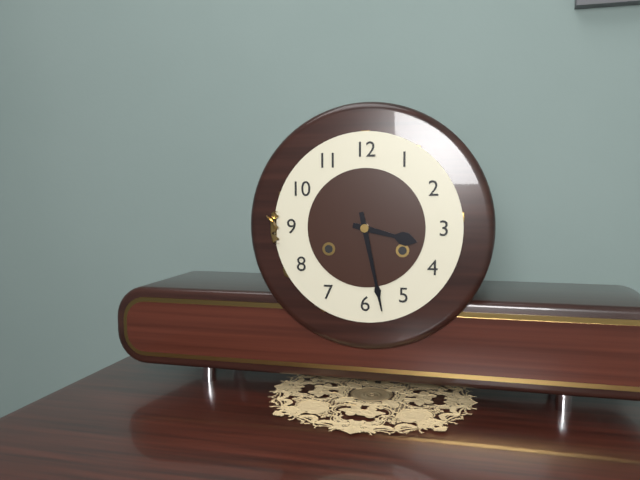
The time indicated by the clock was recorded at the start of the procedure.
3:28
